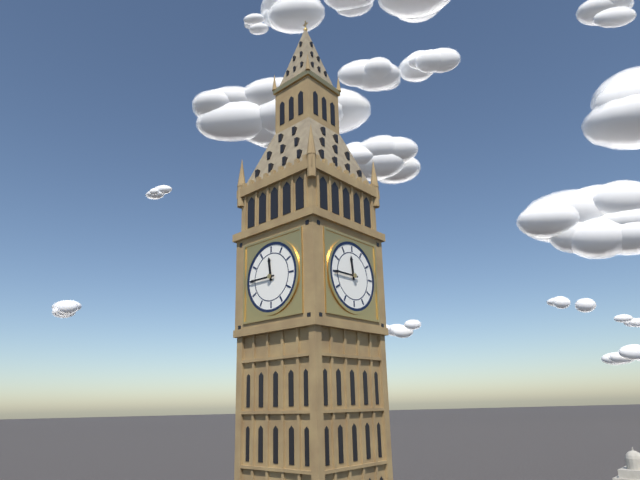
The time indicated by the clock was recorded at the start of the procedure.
11:45
